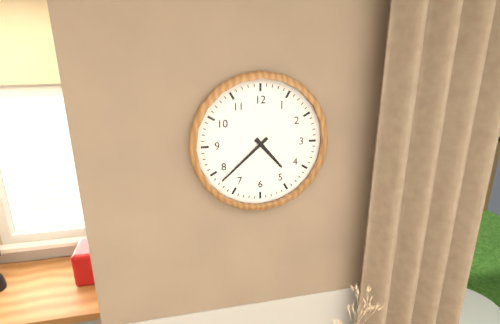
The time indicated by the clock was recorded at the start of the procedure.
4:38
